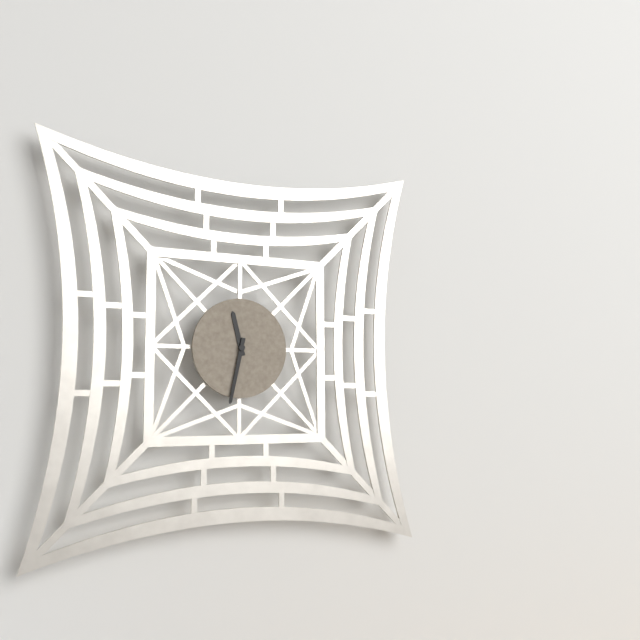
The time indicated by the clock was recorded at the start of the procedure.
11:32
